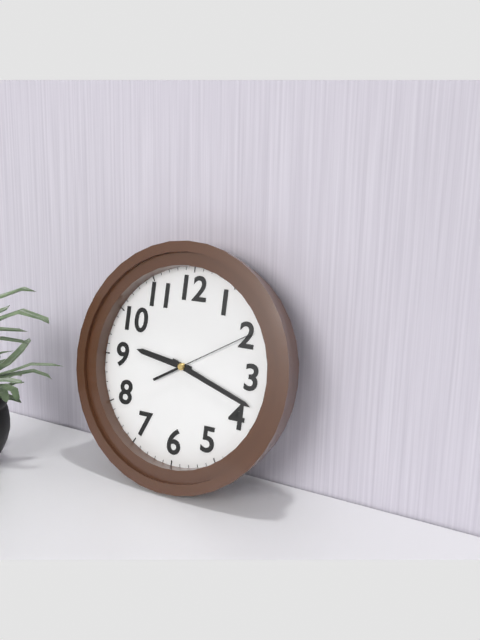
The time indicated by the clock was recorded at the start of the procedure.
9:18:10
